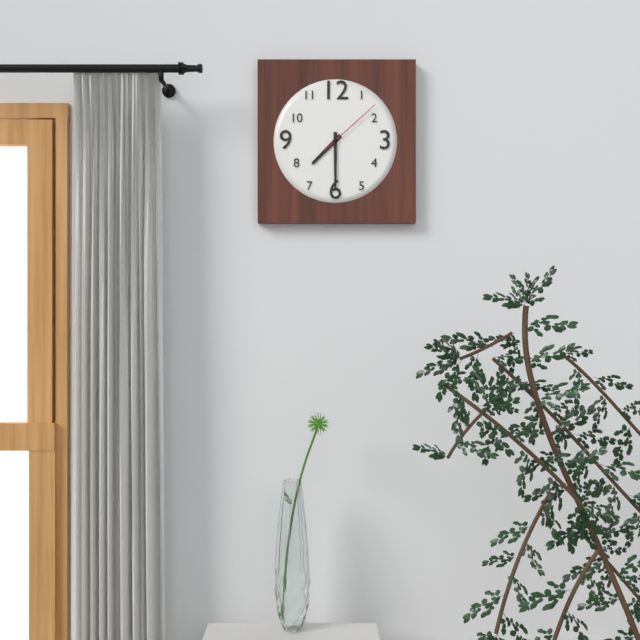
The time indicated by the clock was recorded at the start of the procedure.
7:30:08
